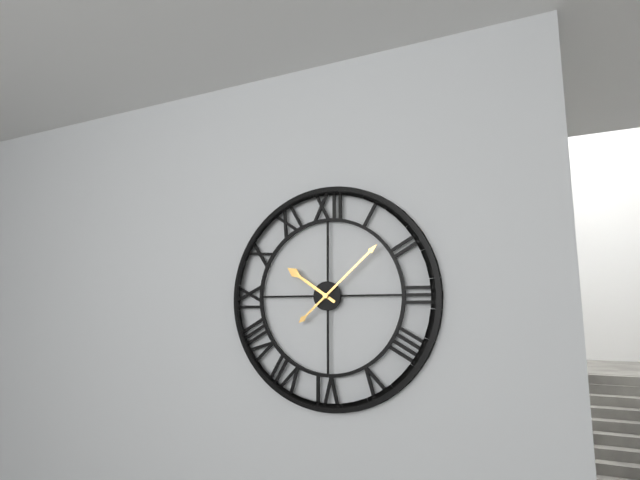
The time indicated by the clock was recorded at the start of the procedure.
10:08
